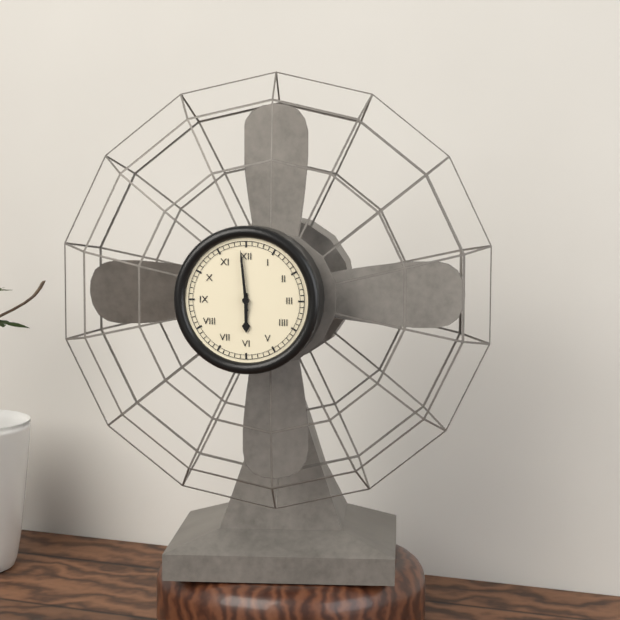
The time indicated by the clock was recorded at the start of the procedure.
5:59
